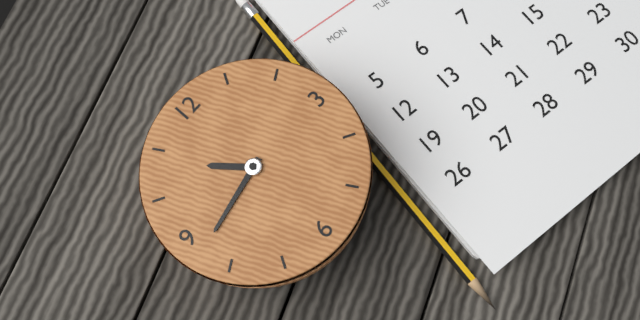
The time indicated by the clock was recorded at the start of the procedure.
10:43
